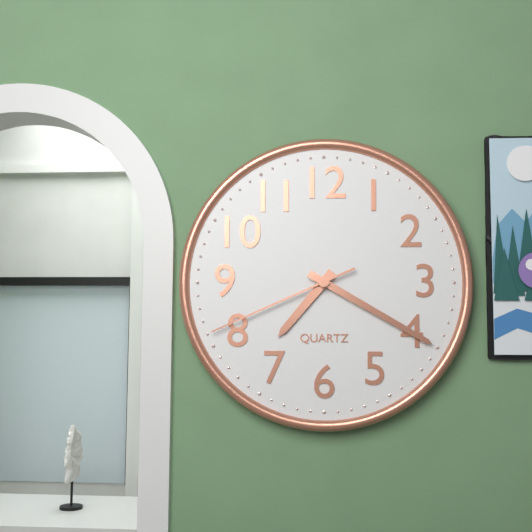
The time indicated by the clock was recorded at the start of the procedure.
7:20:41
